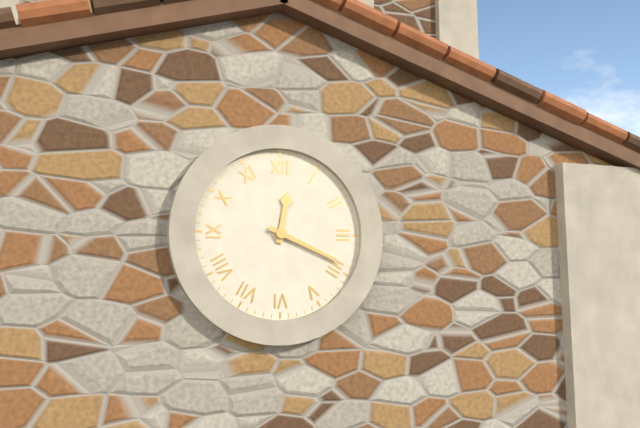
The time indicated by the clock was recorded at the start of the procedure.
12:19
